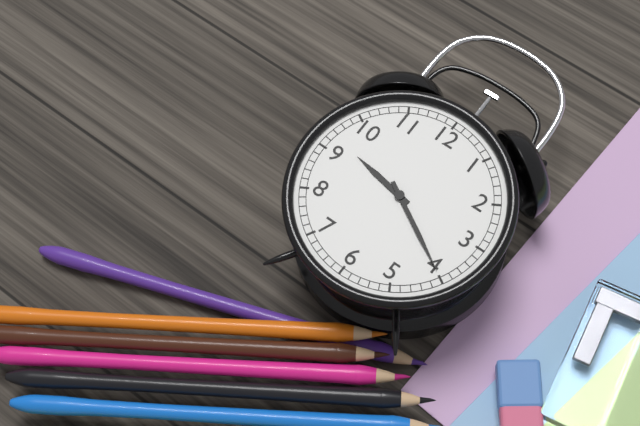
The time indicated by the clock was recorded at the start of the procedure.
9:20
